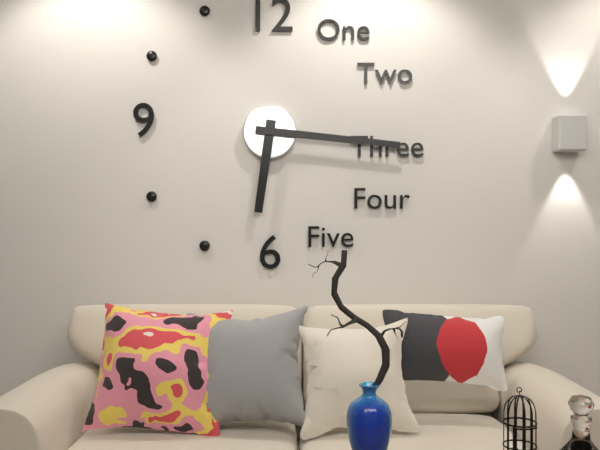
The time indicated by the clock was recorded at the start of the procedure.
6:16
